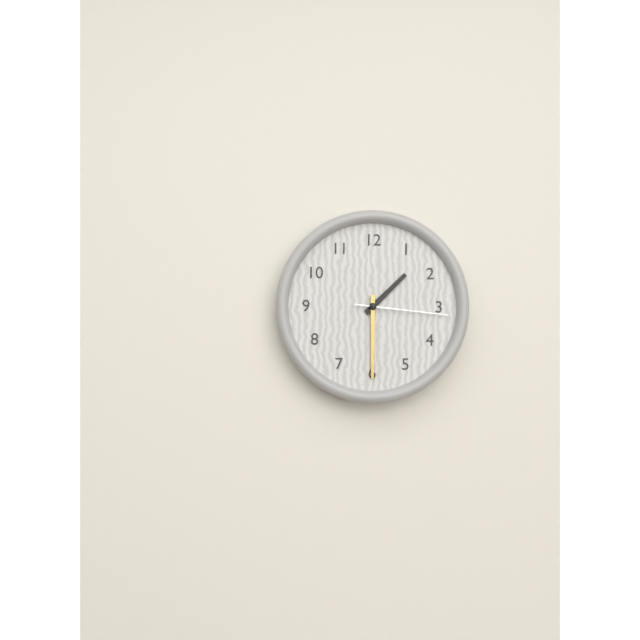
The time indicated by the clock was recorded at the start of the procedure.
1:30:16
